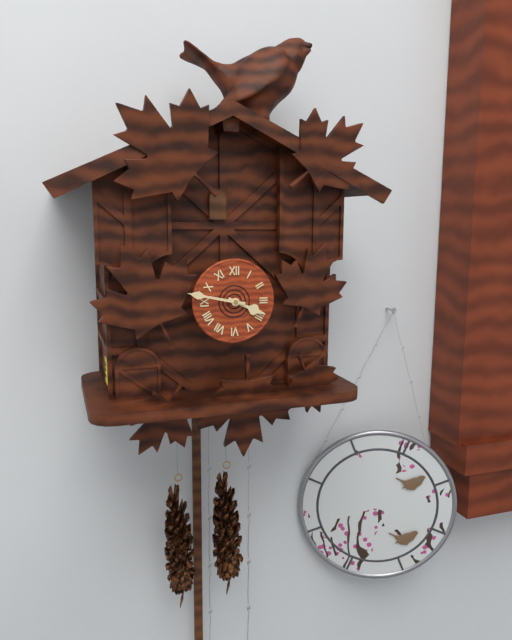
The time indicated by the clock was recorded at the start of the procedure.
3:47
